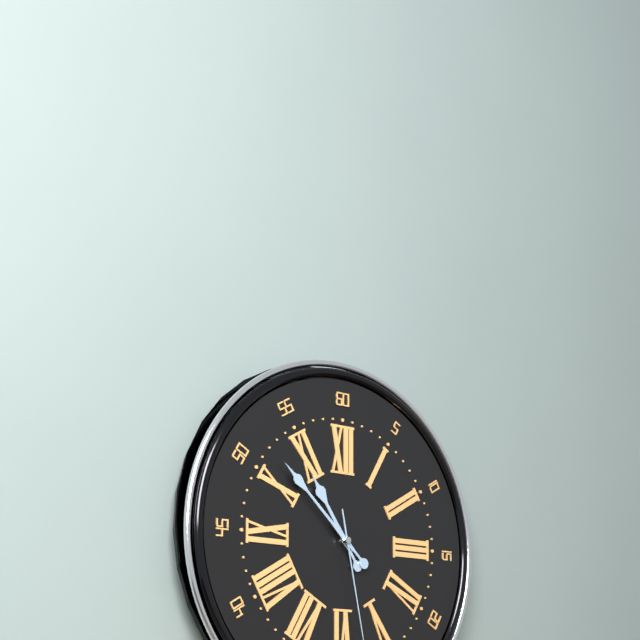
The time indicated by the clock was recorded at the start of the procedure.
10:52
